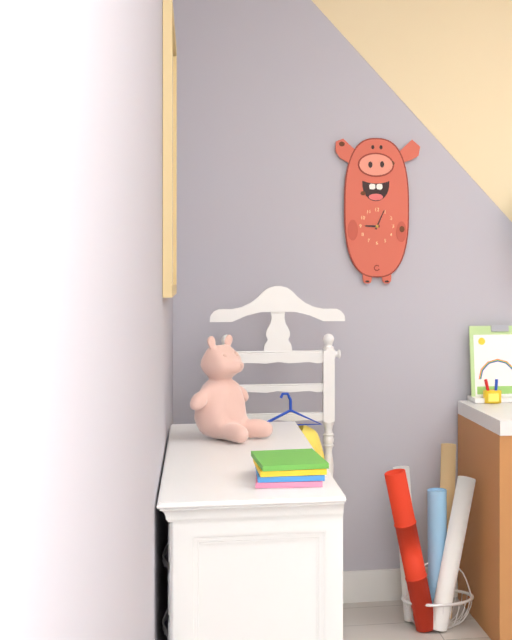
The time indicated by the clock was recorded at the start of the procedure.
9:04
